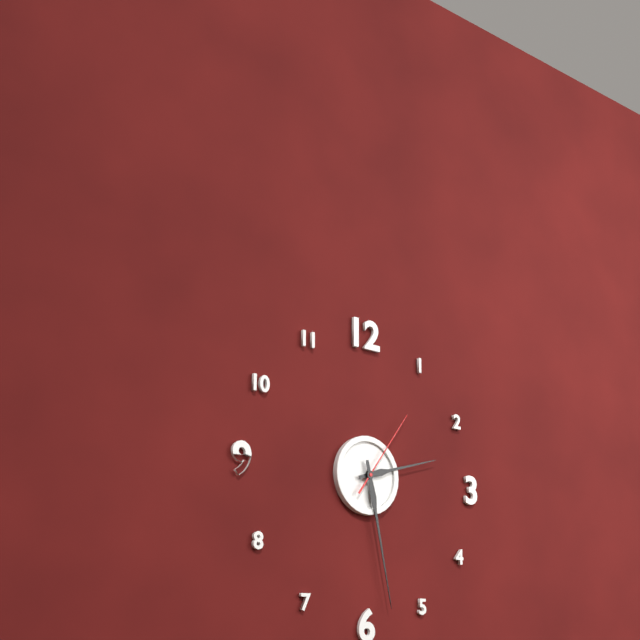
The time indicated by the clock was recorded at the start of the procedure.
2:28:06
